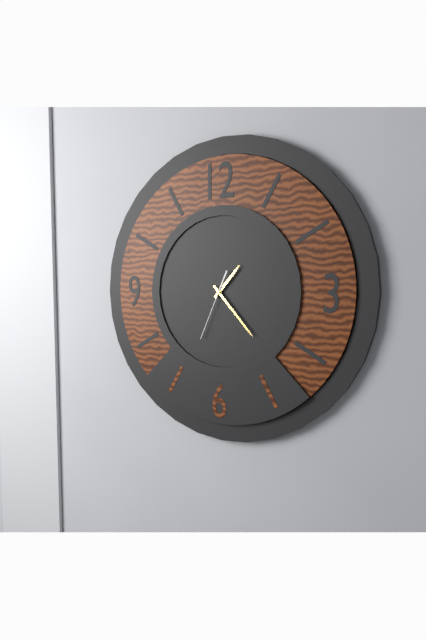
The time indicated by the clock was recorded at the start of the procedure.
1:23:34
